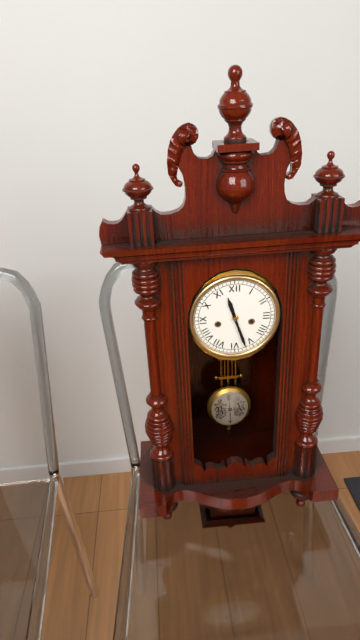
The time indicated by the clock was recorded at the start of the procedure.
11:27
